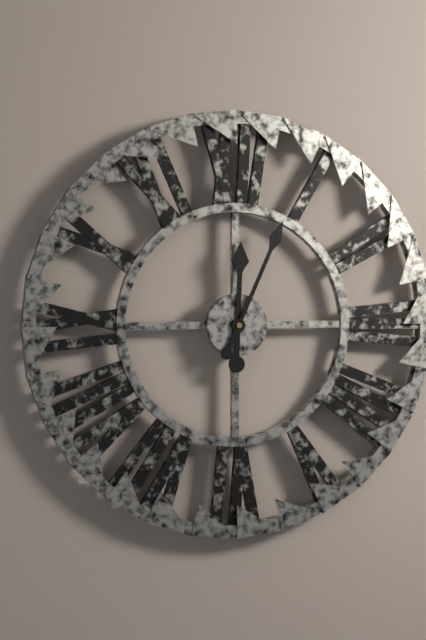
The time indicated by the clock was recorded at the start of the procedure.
12:04
